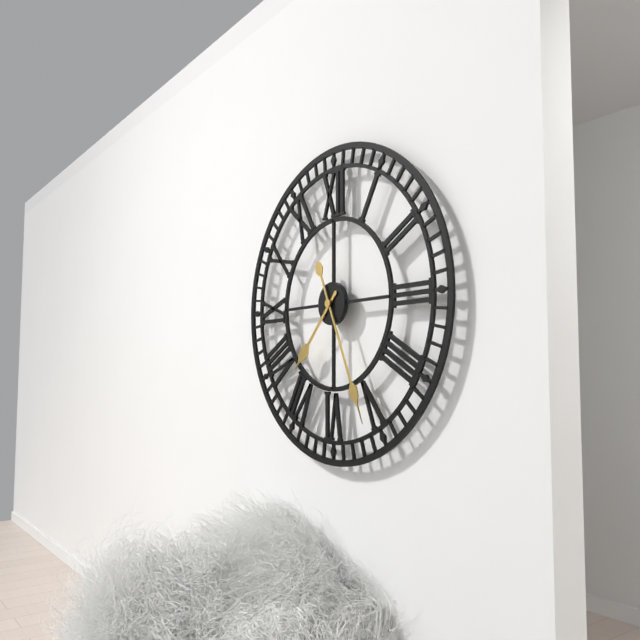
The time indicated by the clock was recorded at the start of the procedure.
7:26
